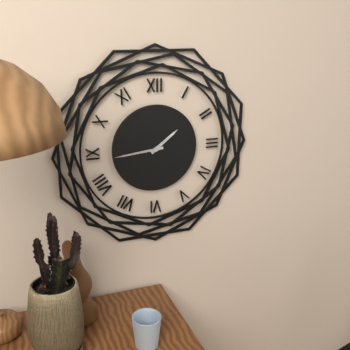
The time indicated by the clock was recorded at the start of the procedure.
1:44
